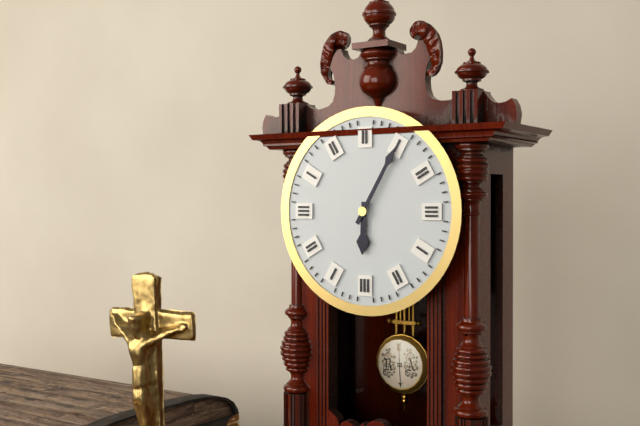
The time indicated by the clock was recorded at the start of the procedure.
6:05
